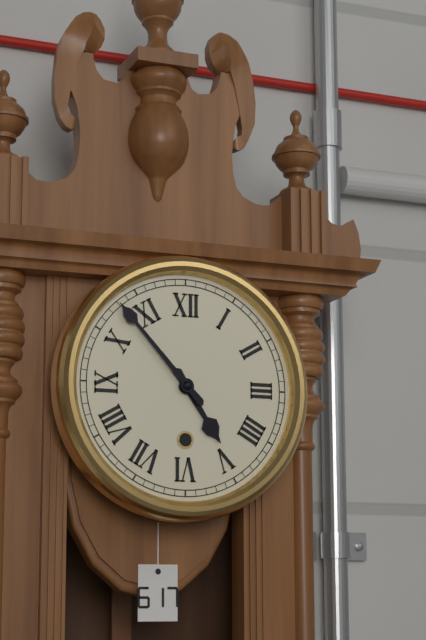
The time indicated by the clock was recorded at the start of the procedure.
4:53
